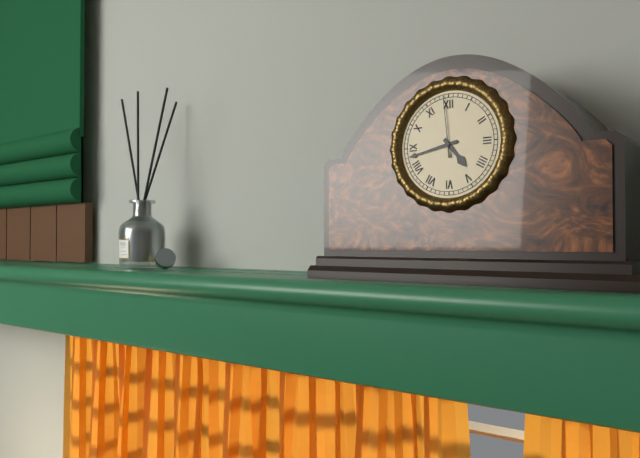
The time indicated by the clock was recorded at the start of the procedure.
4:43:59
